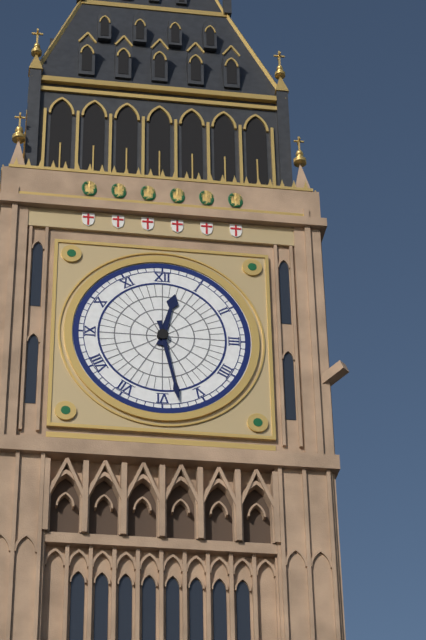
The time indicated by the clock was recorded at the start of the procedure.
12:28
